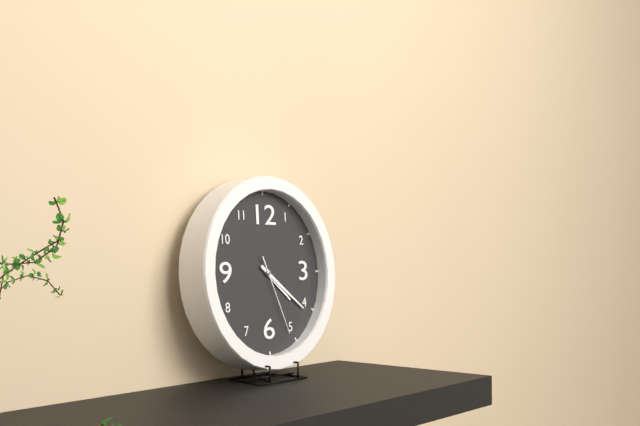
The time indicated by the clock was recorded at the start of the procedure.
4:21:26
